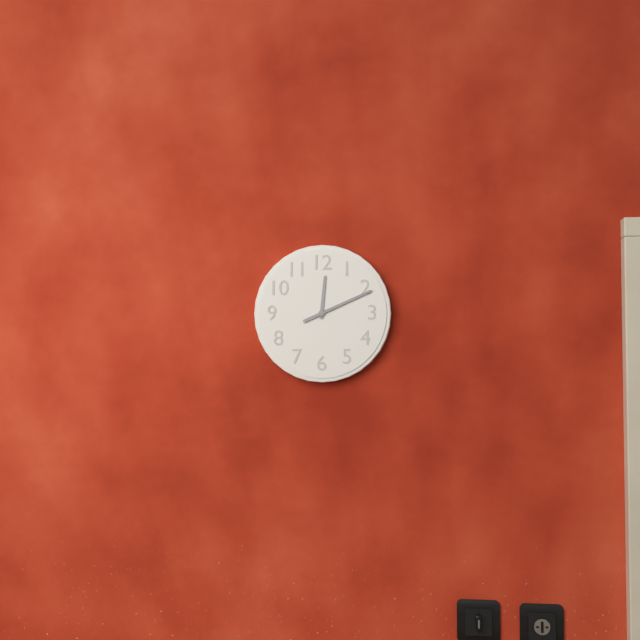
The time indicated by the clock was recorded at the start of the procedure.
12:11
